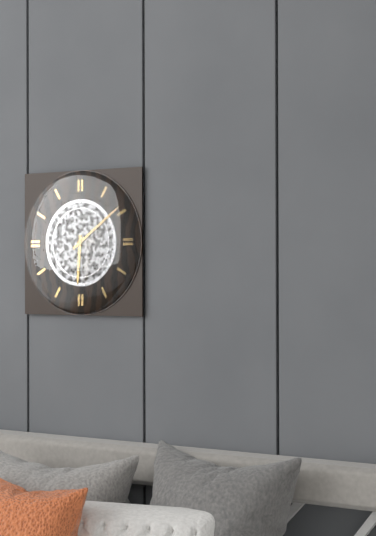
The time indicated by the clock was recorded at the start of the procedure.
6:09
